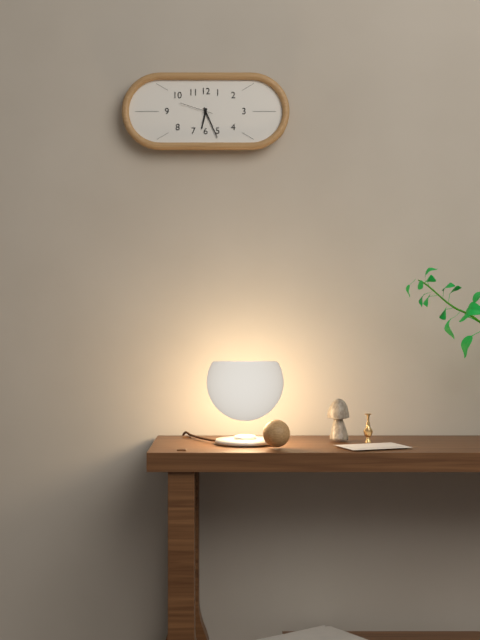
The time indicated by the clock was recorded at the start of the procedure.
6:26
